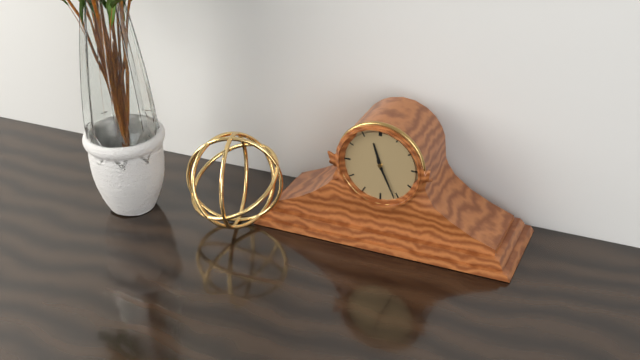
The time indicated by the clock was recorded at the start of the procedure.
11:26
